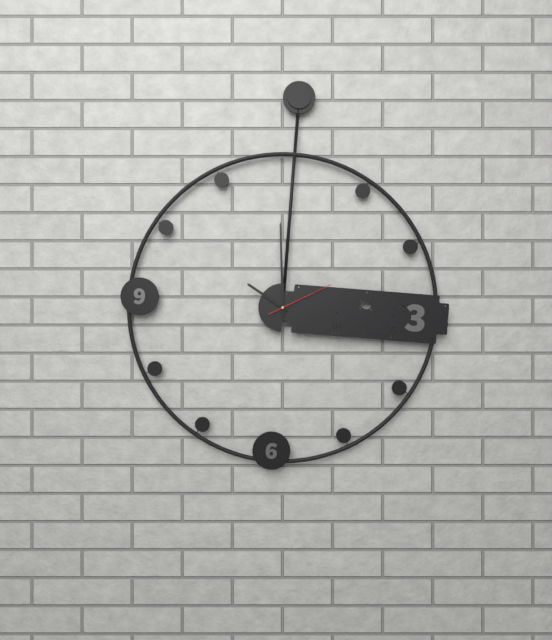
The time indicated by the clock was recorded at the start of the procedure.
9:59:10
